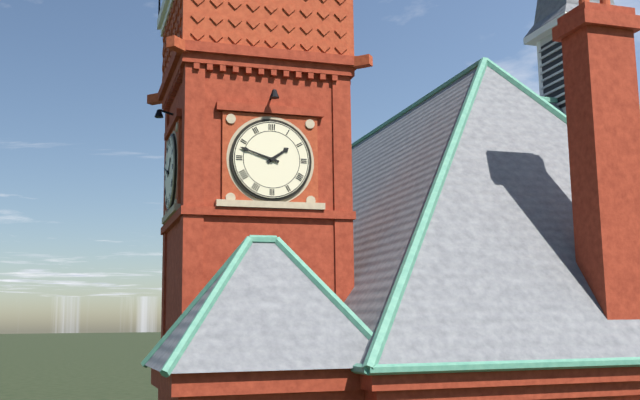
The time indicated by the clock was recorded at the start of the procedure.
1:48
